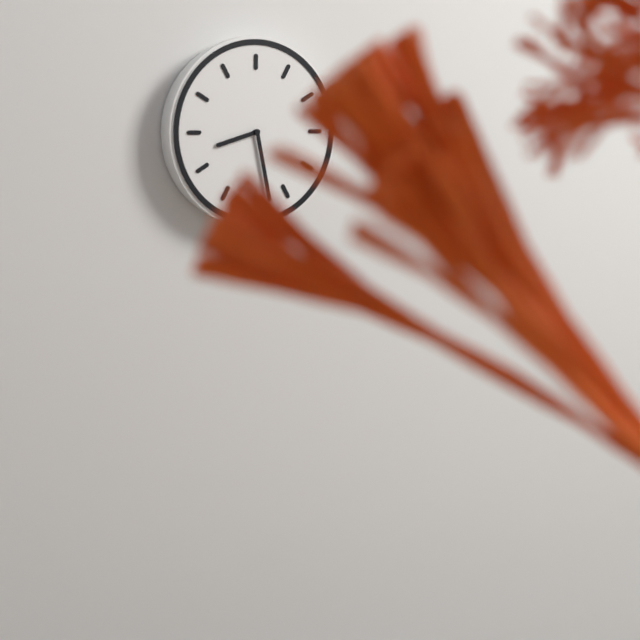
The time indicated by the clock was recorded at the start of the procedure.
8:28
